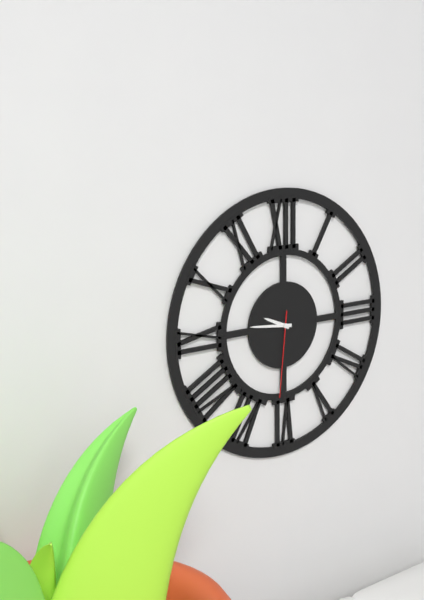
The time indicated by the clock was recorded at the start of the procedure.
9:46:31
